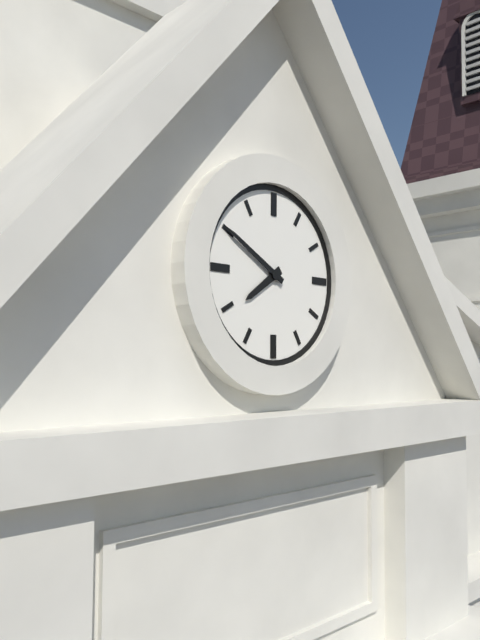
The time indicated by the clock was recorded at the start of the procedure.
7:50
